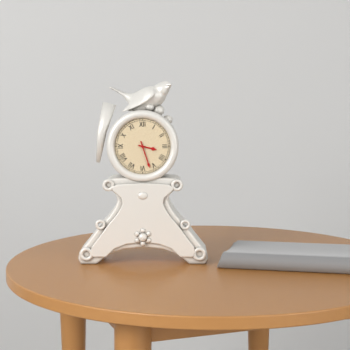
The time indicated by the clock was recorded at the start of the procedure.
3:27
